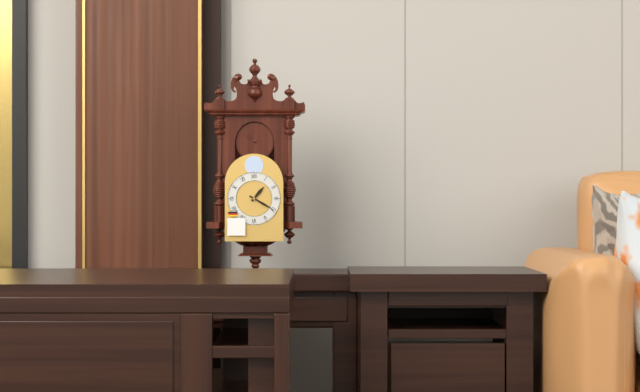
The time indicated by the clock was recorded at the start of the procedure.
1:20
